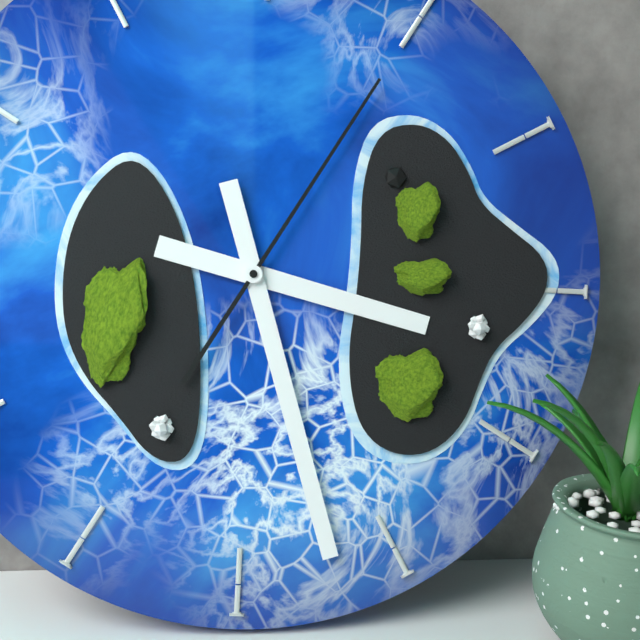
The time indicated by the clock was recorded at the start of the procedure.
3:27:05
